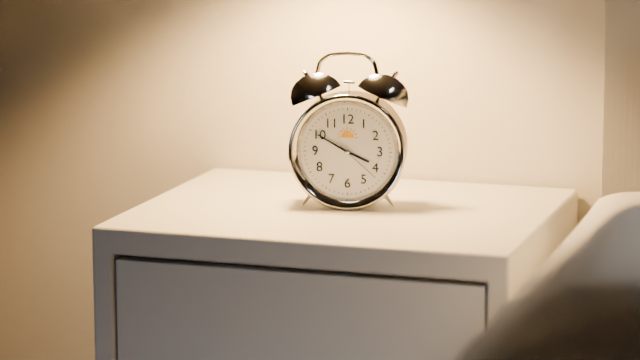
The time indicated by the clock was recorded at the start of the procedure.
3:50
